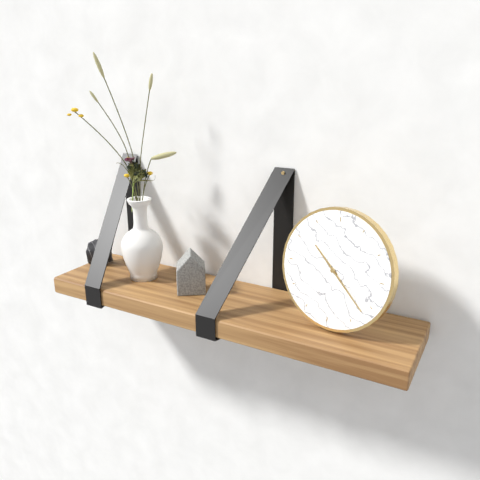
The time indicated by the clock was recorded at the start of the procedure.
10:22
